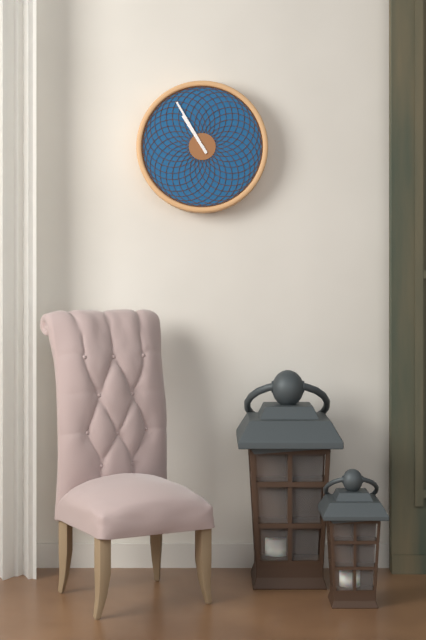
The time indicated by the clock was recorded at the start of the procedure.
10:55
